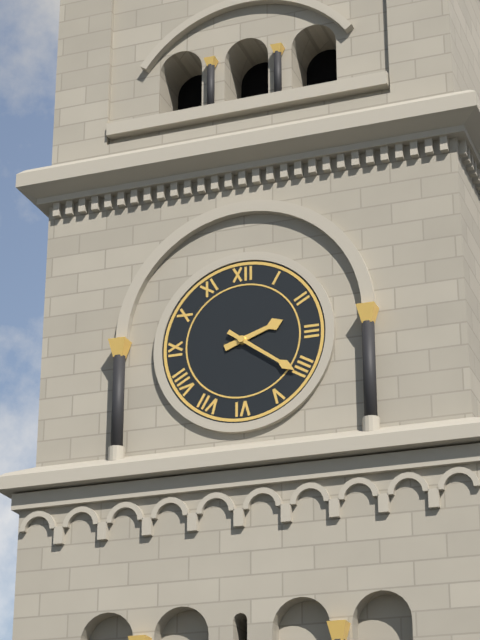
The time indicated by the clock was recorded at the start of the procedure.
2:21
